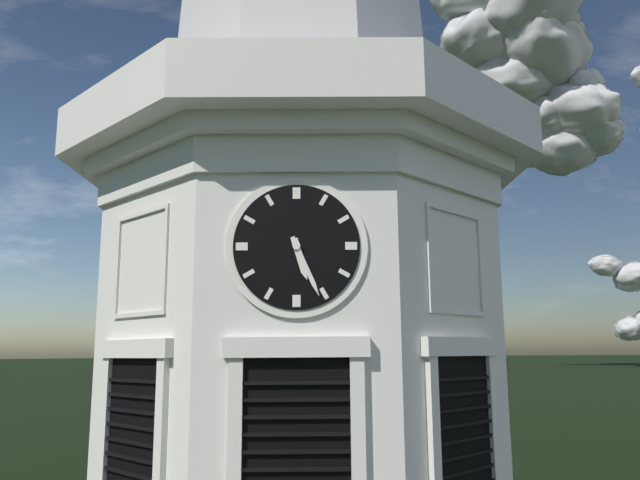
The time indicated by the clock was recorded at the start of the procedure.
5:26
